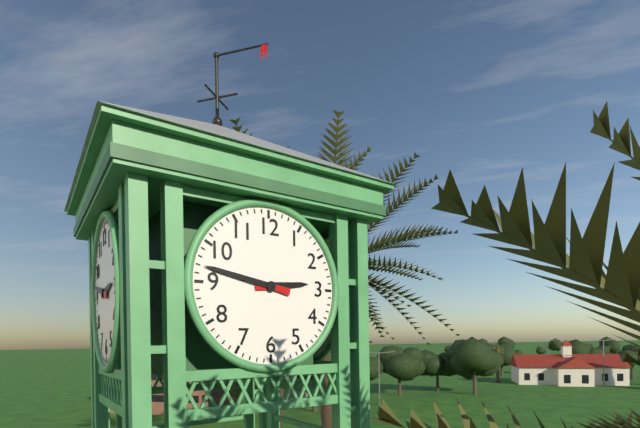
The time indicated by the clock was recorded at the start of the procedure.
2:47
